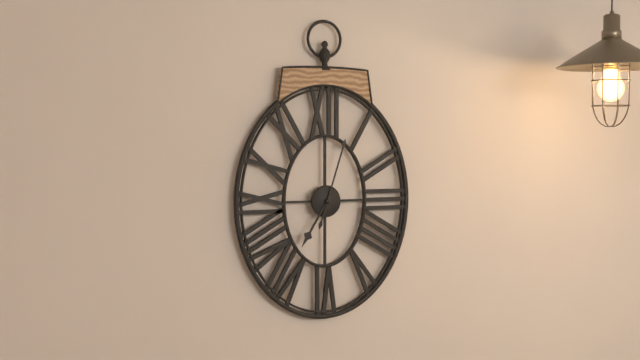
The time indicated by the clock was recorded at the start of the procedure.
7:03
